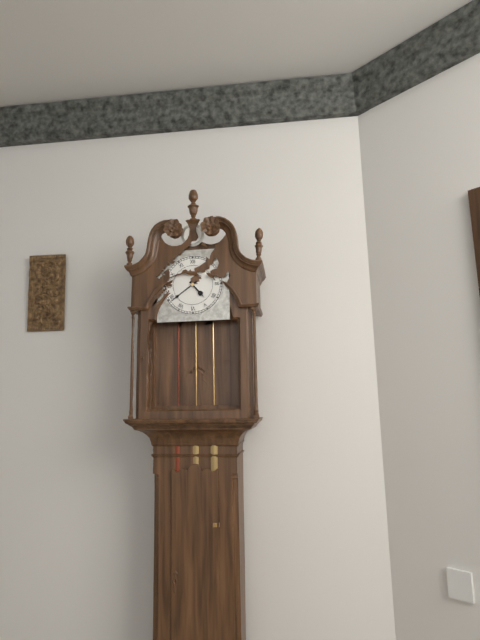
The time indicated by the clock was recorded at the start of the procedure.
4:39
